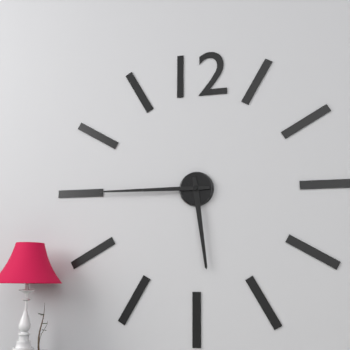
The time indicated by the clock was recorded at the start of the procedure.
5:45
